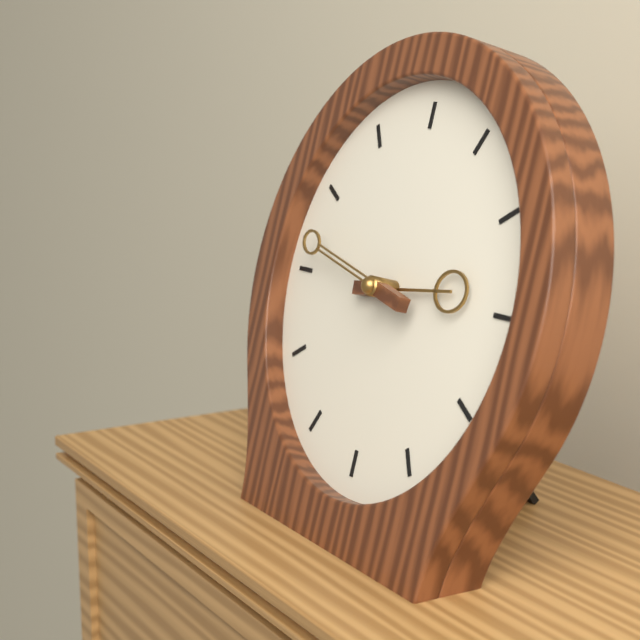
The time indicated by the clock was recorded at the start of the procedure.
2:47
